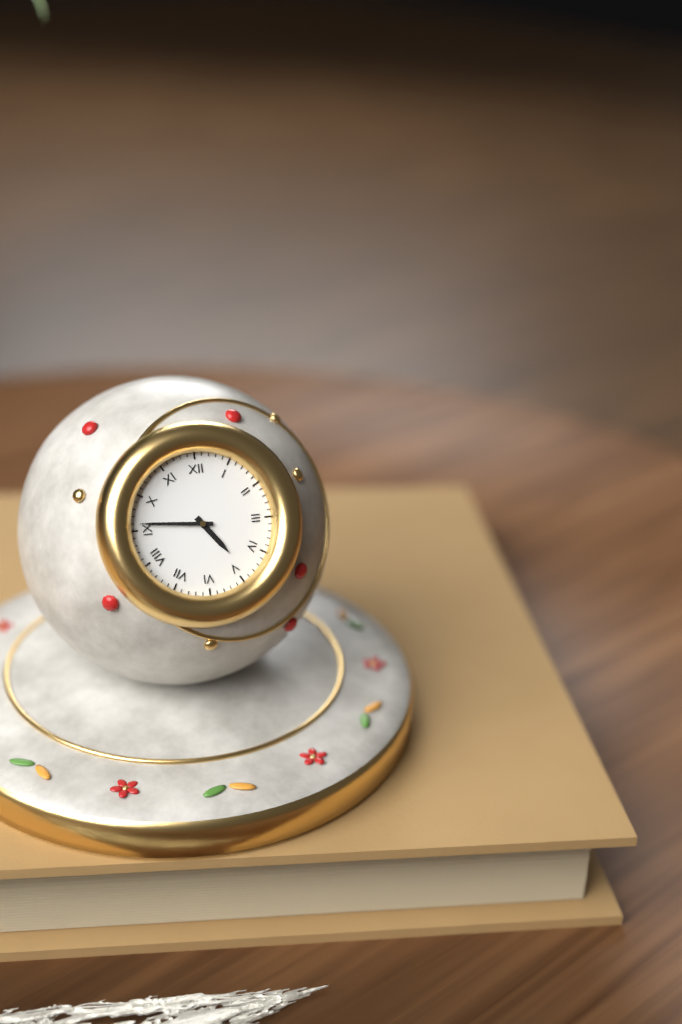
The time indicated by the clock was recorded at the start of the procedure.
4:46
